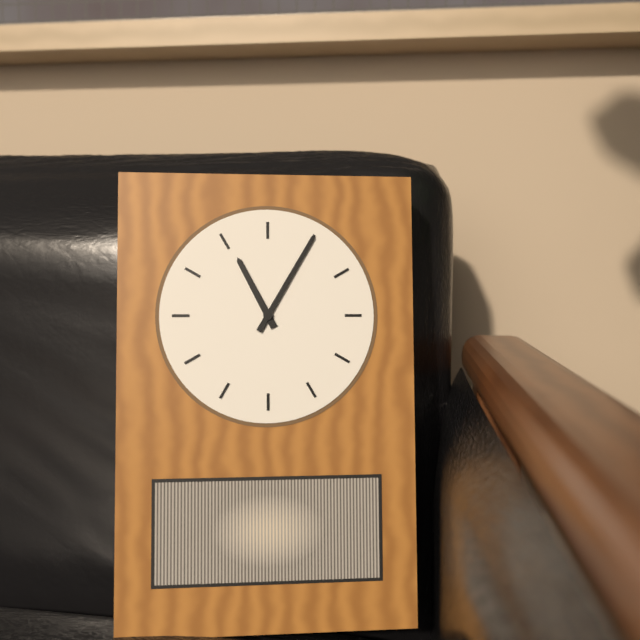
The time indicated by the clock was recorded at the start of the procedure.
11:05
